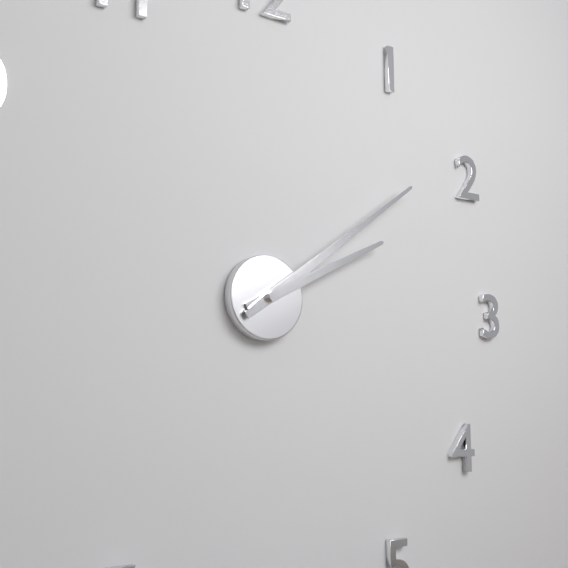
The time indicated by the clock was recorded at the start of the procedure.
2:09
